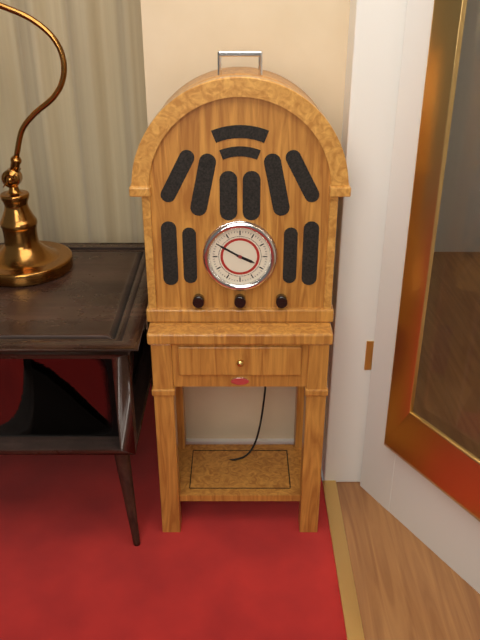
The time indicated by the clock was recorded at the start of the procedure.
3:50
